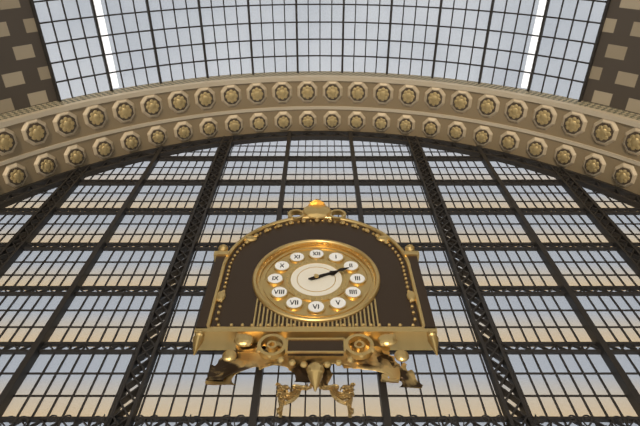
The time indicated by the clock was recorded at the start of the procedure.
2:11
